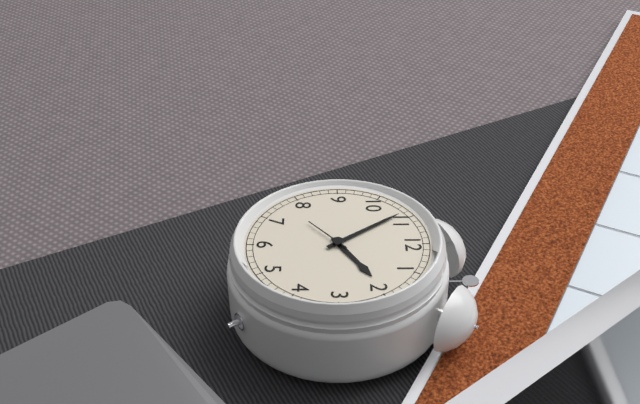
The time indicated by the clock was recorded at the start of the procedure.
1:54
